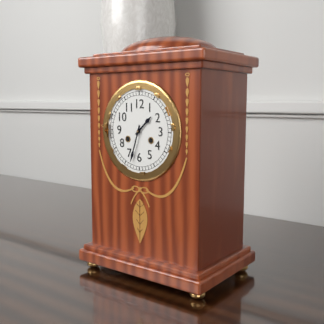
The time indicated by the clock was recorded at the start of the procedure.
1:33
